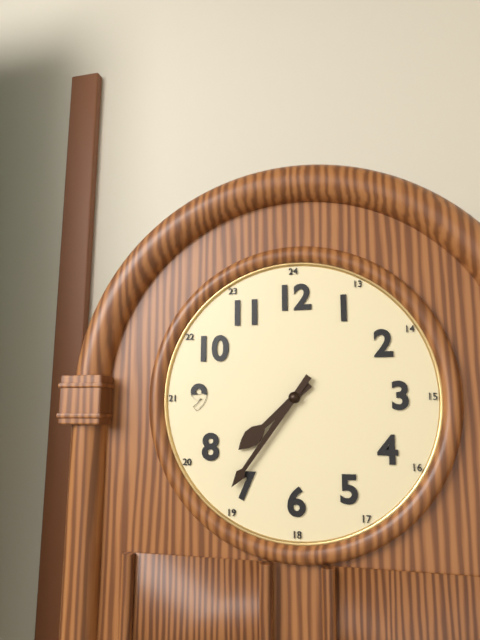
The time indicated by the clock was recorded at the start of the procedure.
7:36
